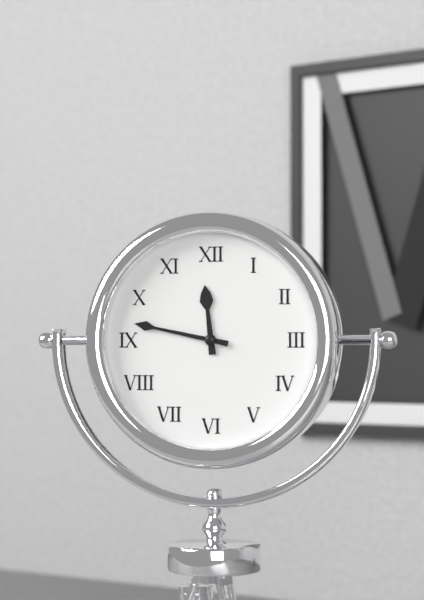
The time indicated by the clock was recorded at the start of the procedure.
11:47
